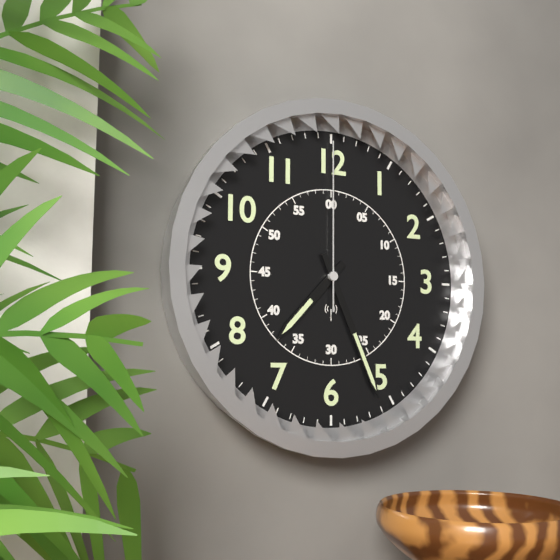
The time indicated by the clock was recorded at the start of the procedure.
7:26:00
